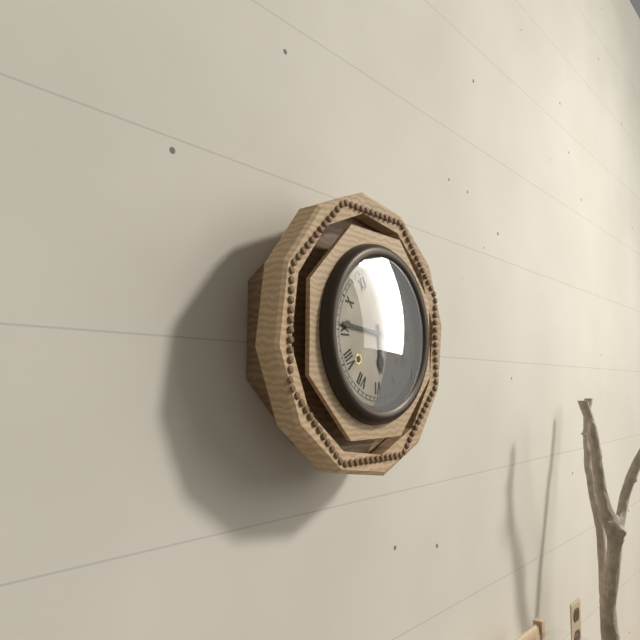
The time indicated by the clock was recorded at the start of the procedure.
5:46
